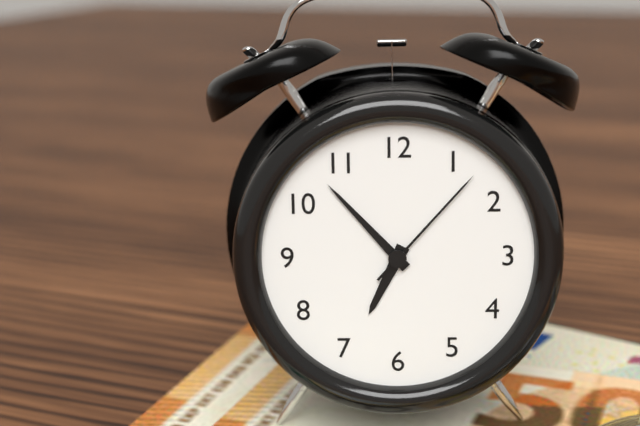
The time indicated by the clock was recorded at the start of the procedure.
6:53:07
